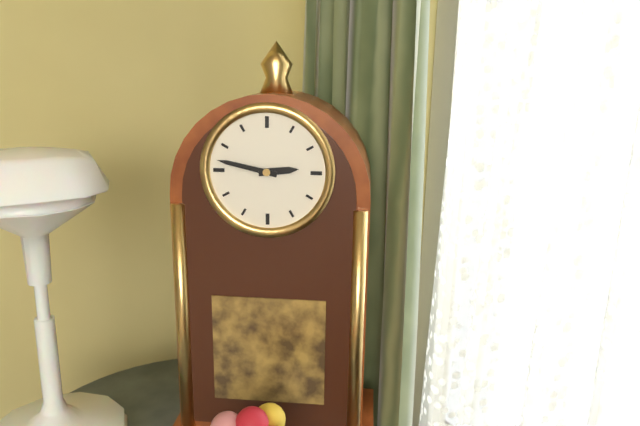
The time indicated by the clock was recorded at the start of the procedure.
2:47
